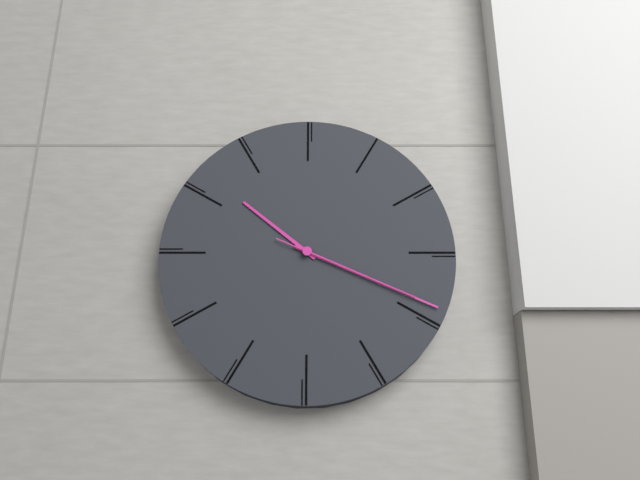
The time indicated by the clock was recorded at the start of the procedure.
10:19:19
